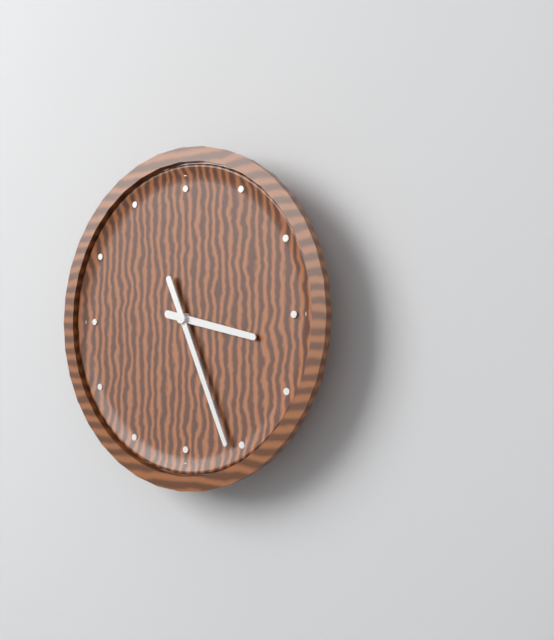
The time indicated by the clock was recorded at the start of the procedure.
3:26
